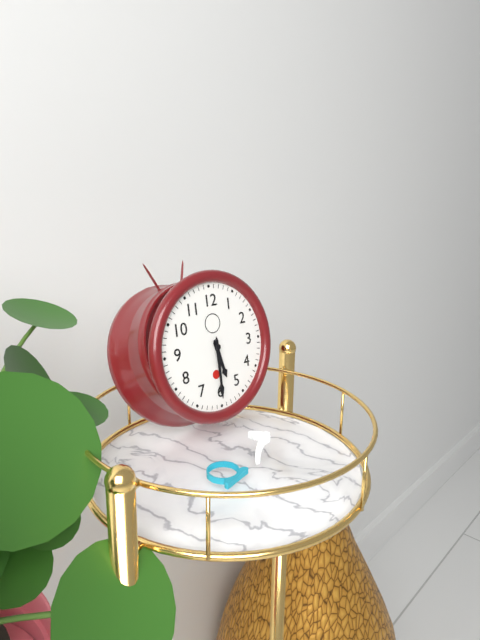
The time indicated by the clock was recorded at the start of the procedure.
5:30
